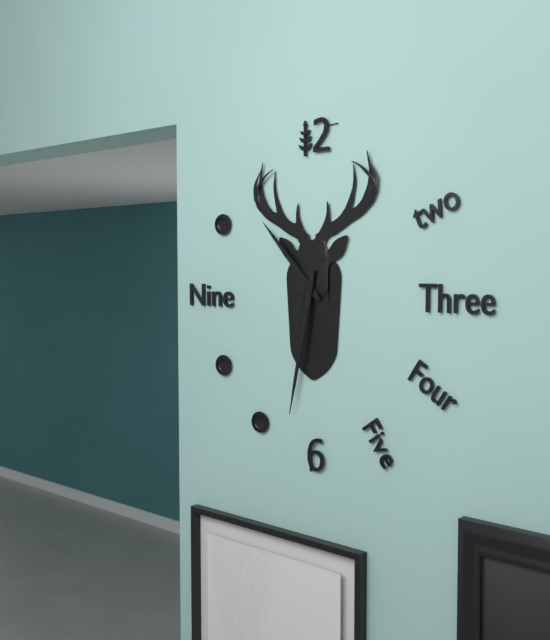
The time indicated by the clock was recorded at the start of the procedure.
10:32
